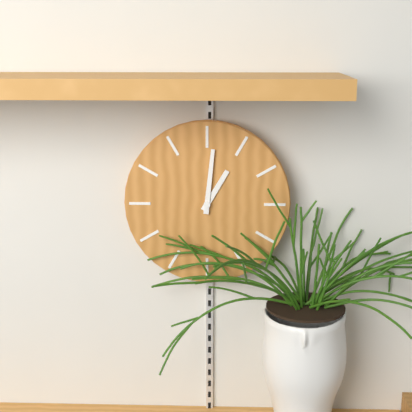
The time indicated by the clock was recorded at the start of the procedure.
1:01
